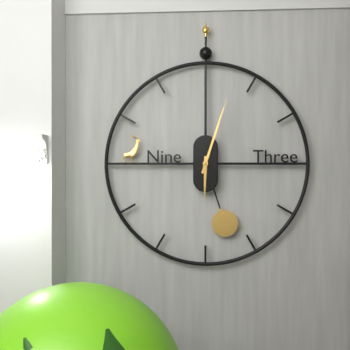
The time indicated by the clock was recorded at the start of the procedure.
6:03
